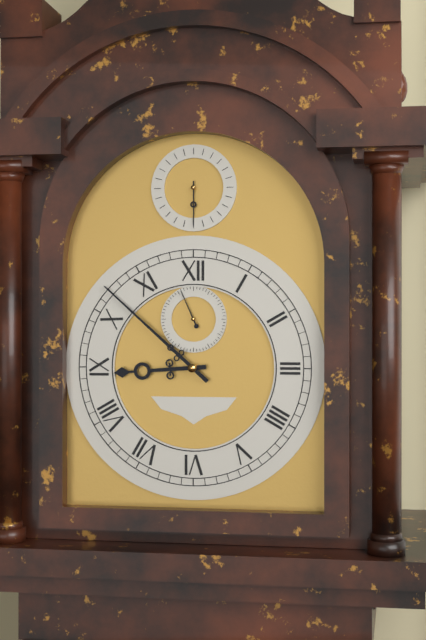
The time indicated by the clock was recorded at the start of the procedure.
8:52
